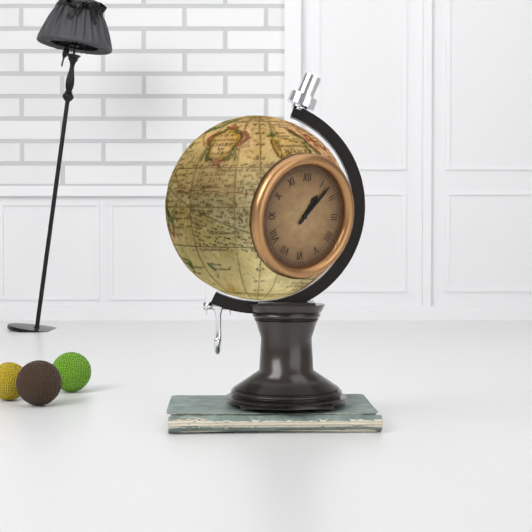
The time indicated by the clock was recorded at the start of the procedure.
1:07
